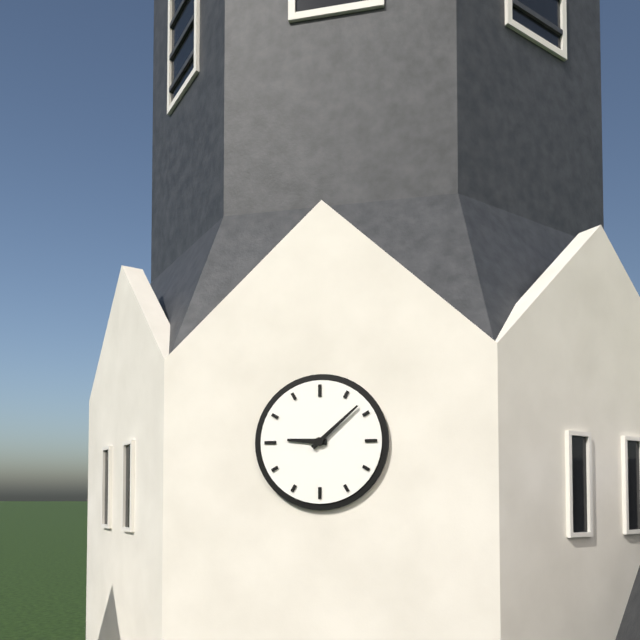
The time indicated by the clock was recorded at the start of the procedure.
9:08
